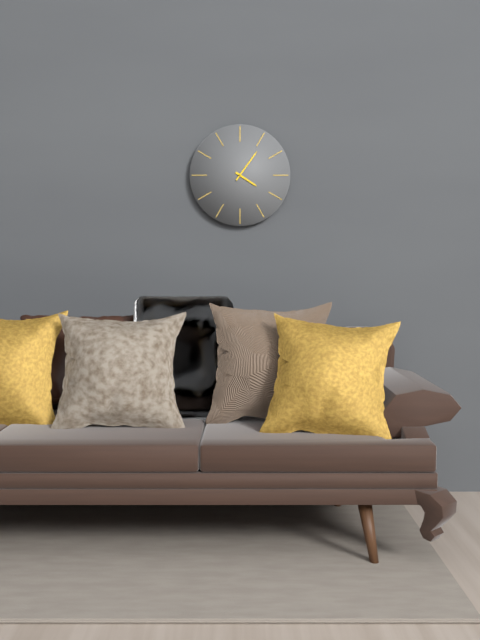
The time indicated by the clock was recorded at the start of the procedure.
4:06
